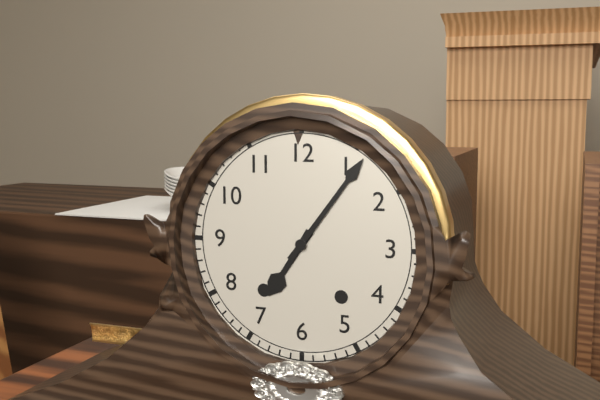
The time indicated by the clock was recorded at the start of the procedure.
7:06
